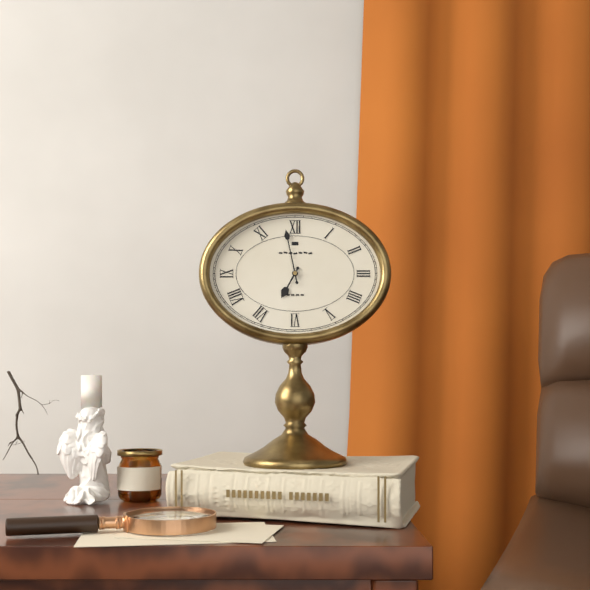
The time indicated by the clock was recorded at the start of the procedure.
6:58
